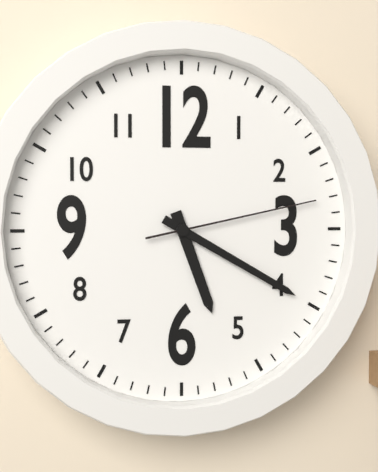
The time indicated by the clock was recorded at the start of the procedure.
5:20:13
